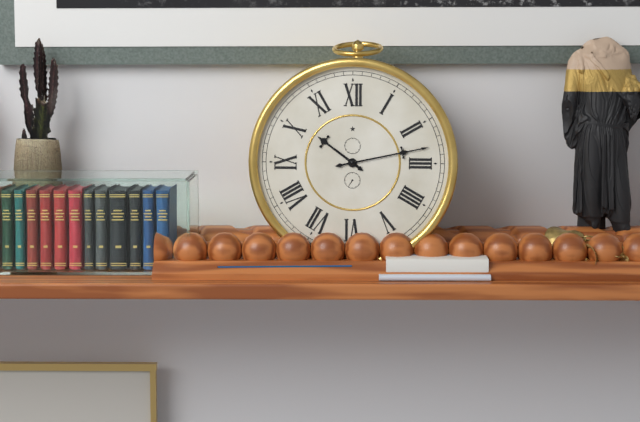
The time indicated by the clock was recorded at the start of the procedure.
10:13
